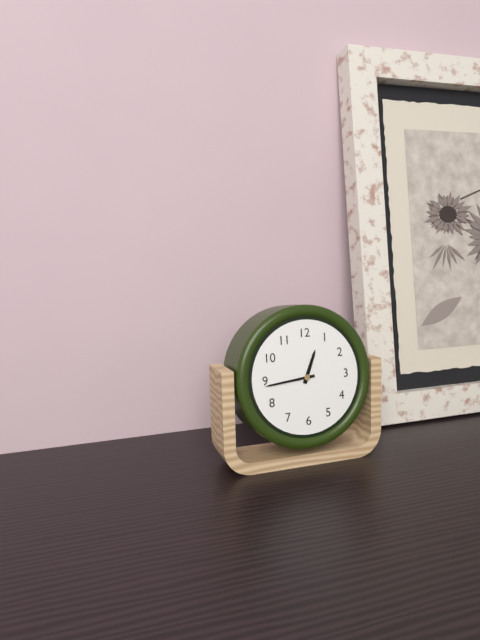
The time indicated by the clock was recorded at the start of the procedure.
12:44
